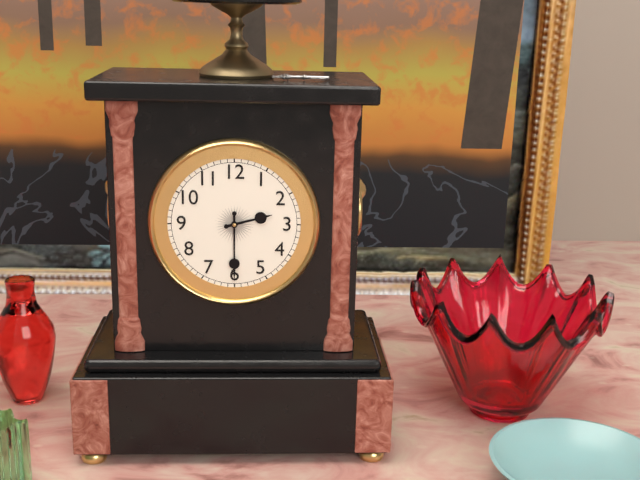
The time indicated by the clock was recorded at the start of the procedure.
2:30
